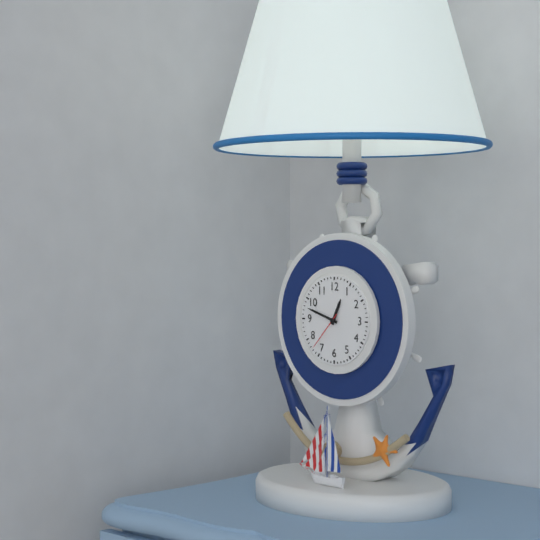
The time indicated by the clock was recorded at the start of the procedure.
12:48
